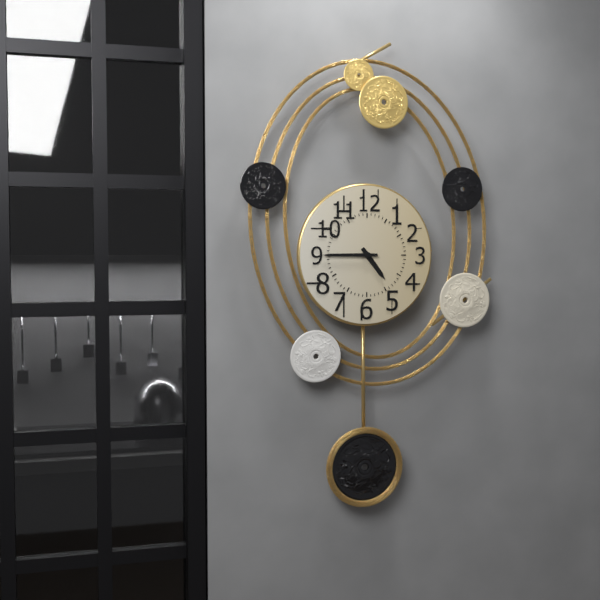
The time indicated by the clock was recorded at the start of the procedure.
4:45
